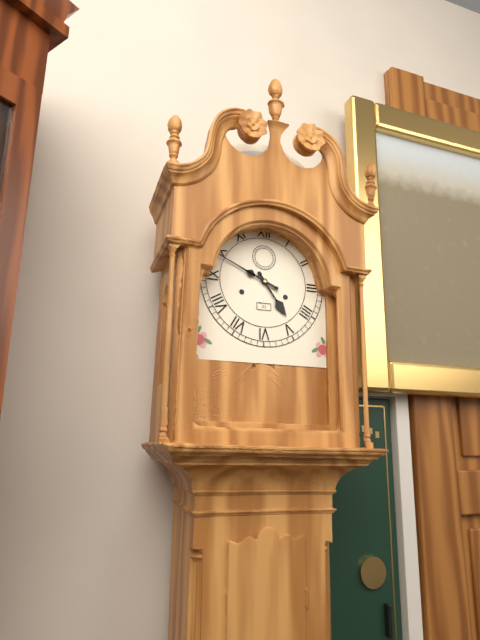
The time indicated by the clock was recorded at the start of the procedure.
4:49
